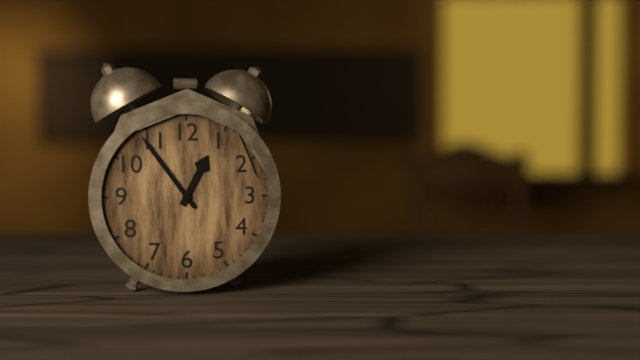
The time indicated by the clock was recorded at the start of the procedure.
12:54
